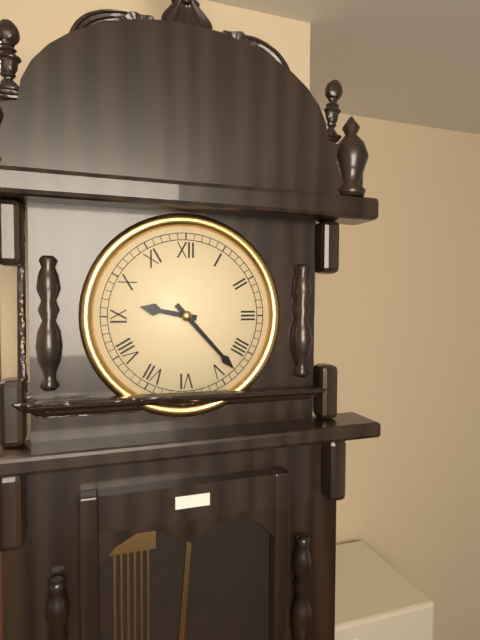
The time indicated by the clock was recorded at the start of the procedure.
9:23
